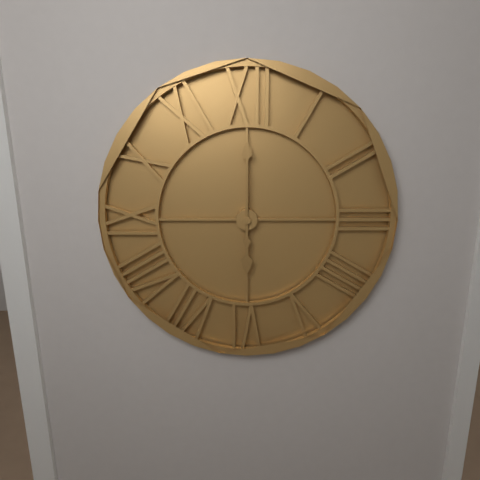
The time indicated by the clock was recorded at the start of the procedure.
6:00
